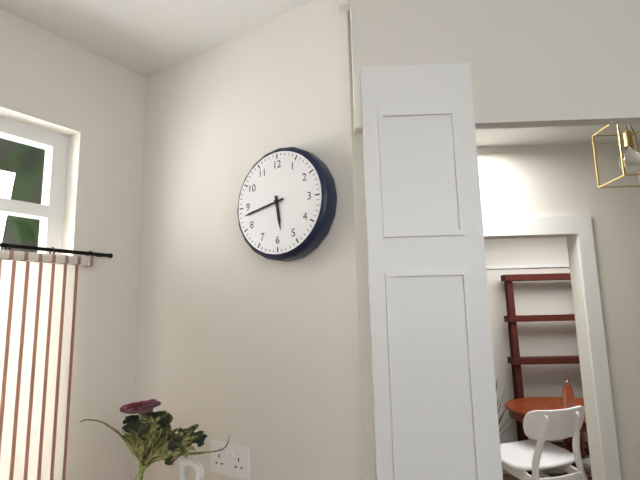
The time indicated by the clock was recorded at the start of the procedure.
5:43
